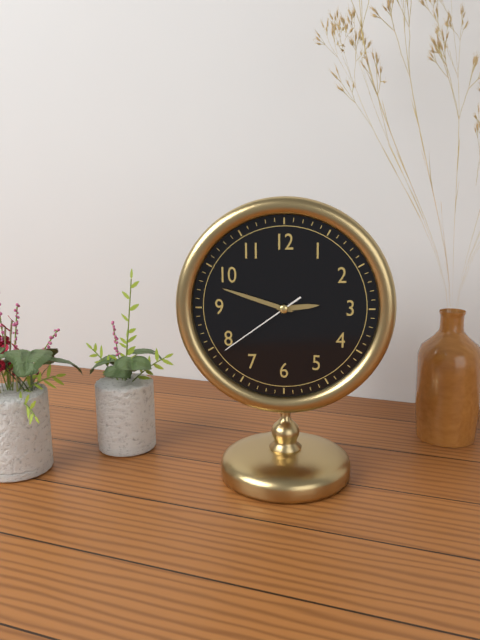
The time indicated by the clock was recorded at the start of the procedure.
2:48:39
